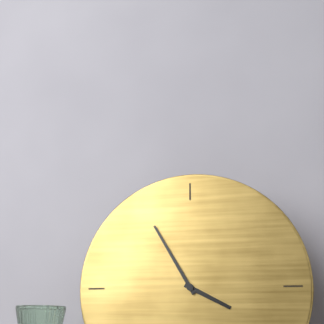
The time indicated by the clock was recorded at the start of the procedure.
3:55
